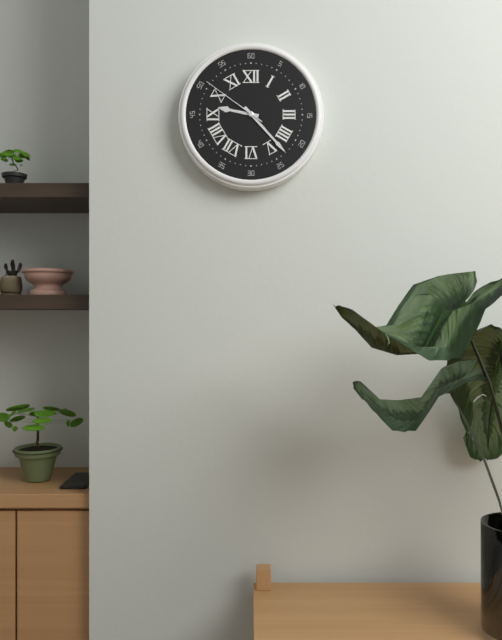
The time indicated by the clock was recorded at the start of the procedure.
9:23:51
